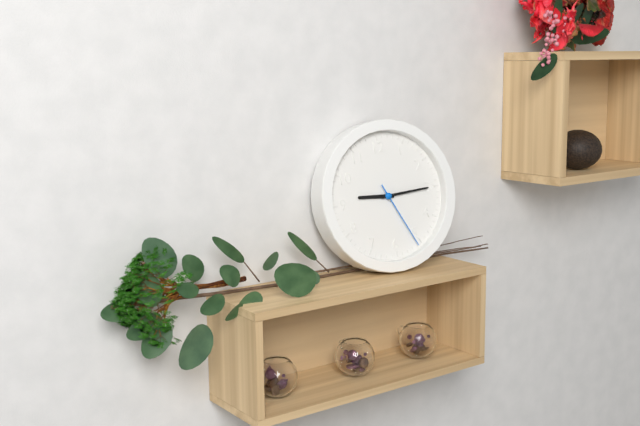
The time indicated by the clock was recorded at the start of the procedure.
9:15:26
